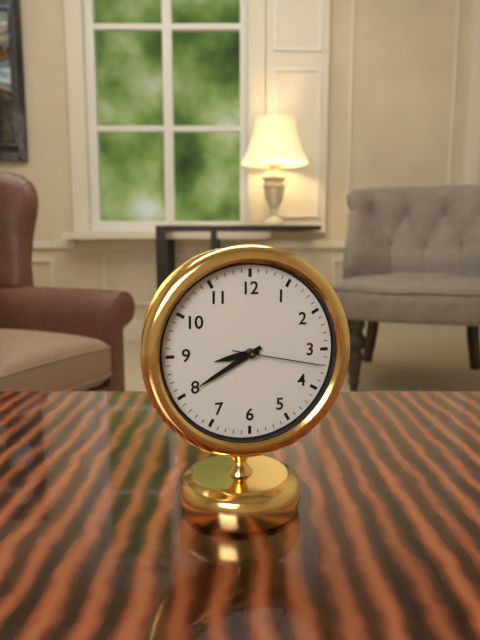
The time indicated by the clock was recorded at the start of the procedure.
8:40:17
